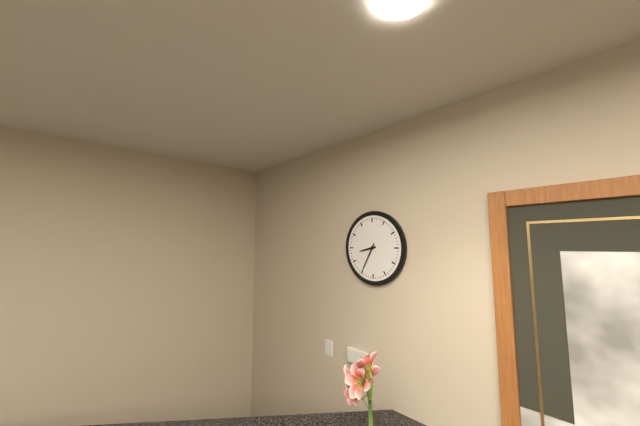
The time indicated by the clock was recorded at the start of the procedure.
8:35
